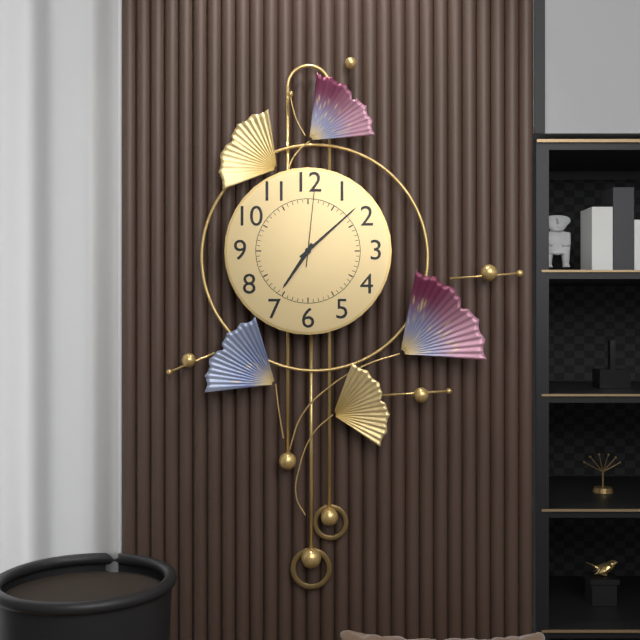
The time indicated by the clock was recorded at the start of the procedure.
7:08:01
